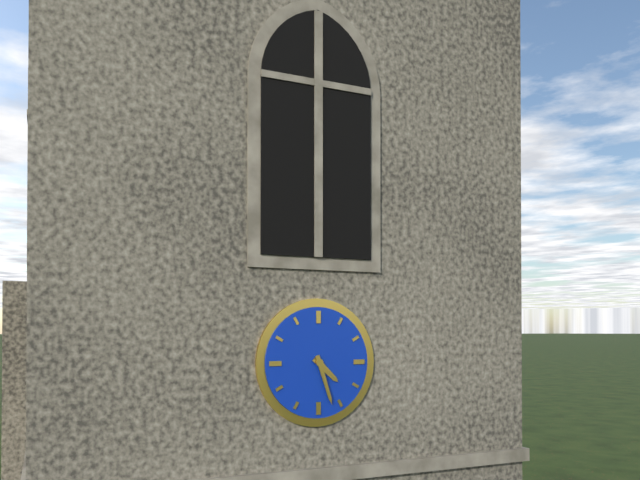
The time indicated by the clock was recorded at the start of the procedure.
4:27
